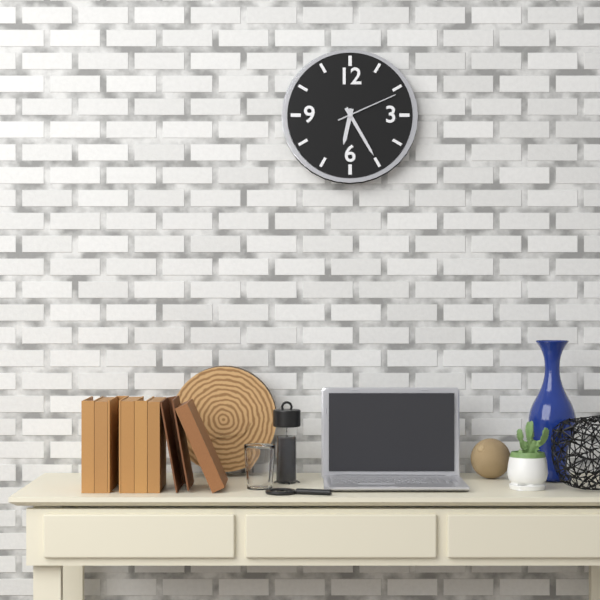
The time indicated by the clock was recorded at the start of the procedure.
6:25:11
